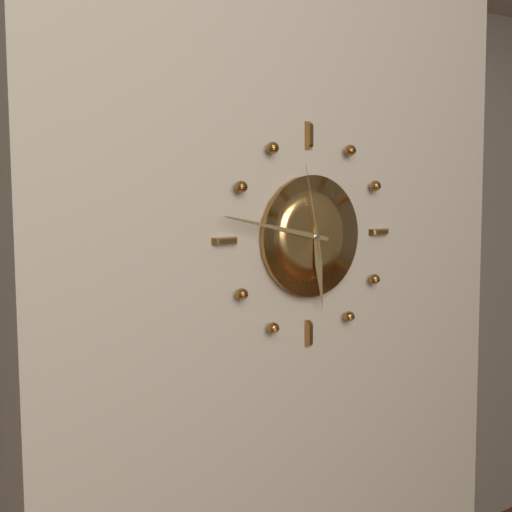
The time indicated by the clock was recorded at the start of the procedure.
5:47:58
